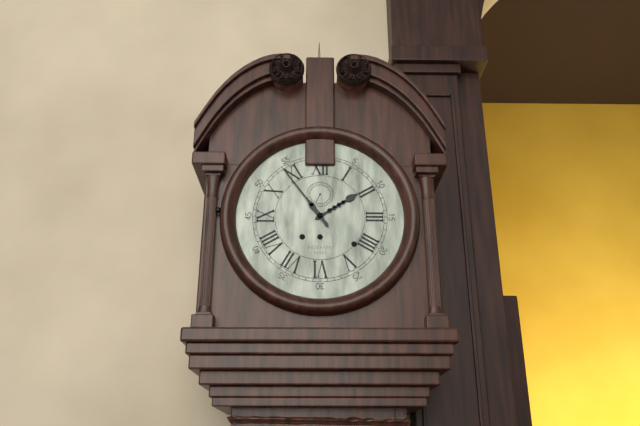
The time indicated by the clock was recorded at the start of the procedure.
1:54
